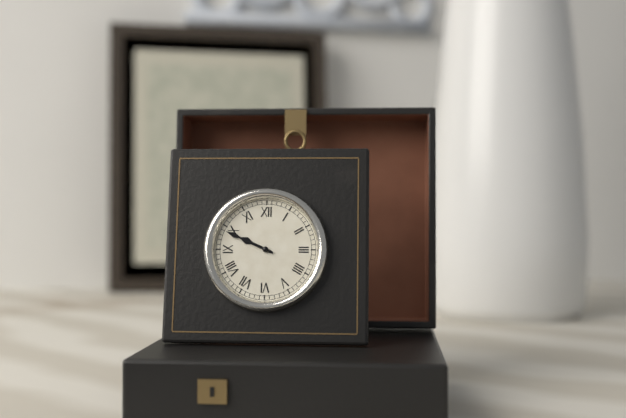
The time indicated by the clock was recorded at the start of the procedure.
9:49
